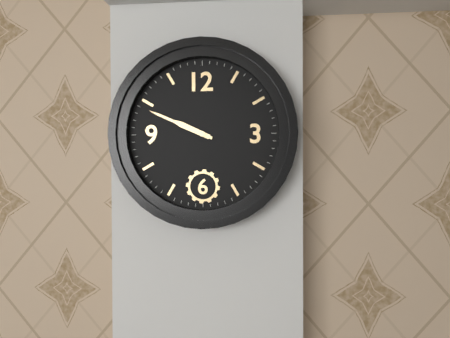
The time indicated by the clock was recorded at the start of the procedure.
9:49
